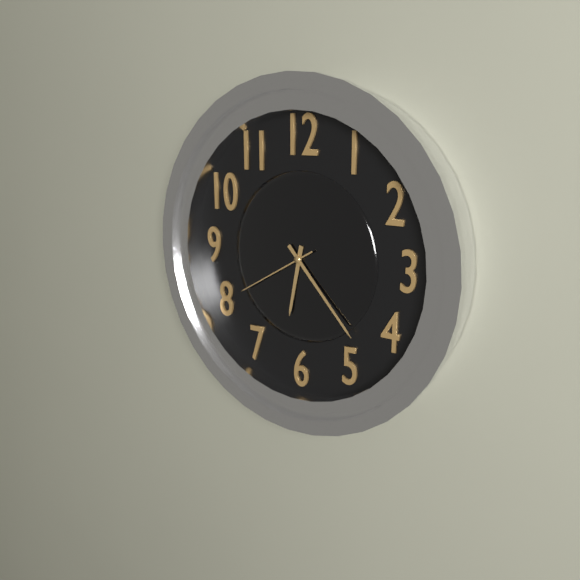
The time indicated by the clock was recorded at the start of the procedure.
6:23:40
